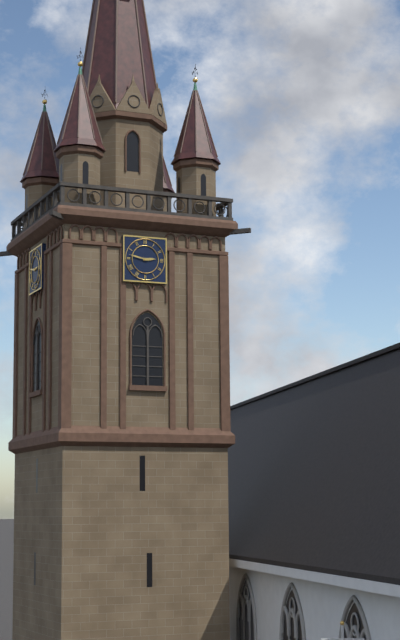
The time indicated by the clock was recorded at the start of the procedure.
2:47
